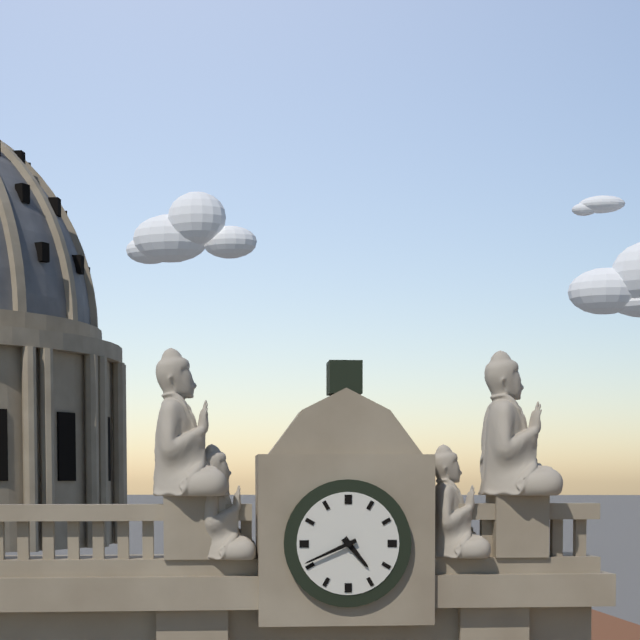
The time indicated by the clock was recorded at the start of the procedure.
4:41
